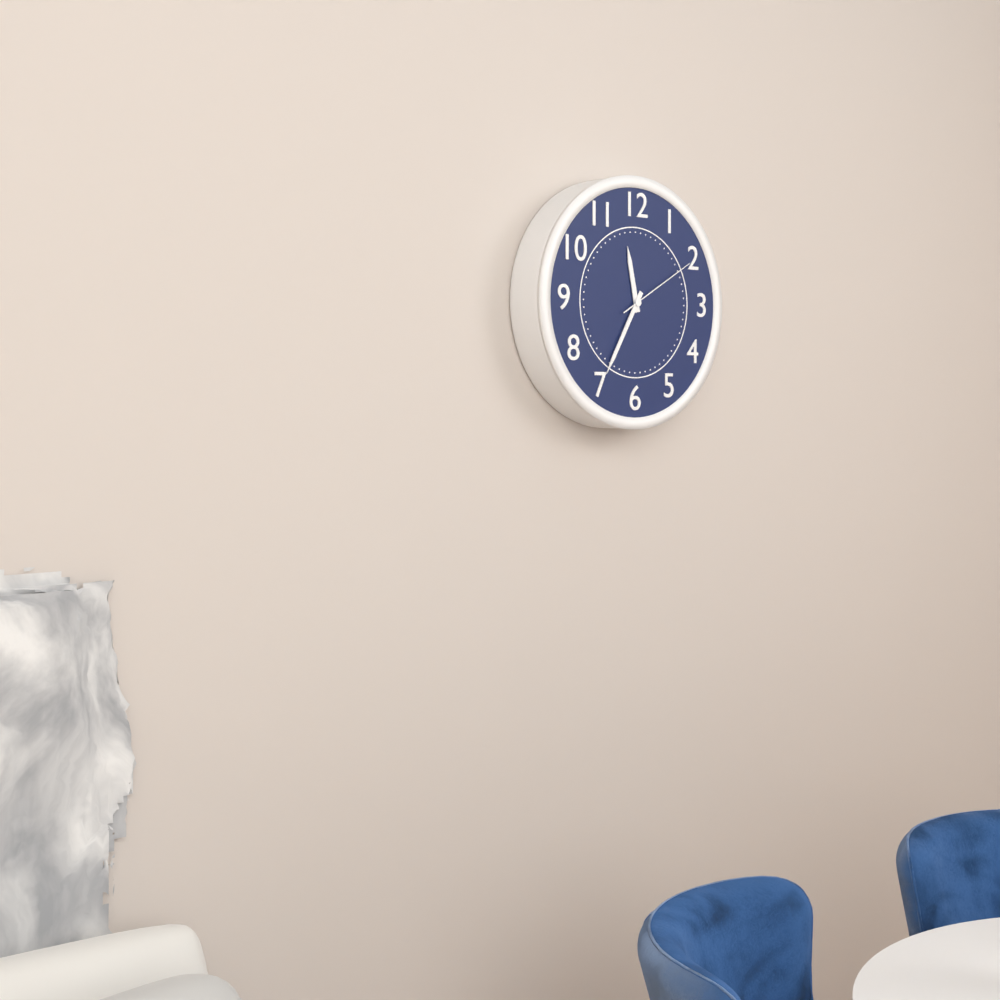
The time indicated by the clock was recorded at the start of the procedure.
11:35:10
